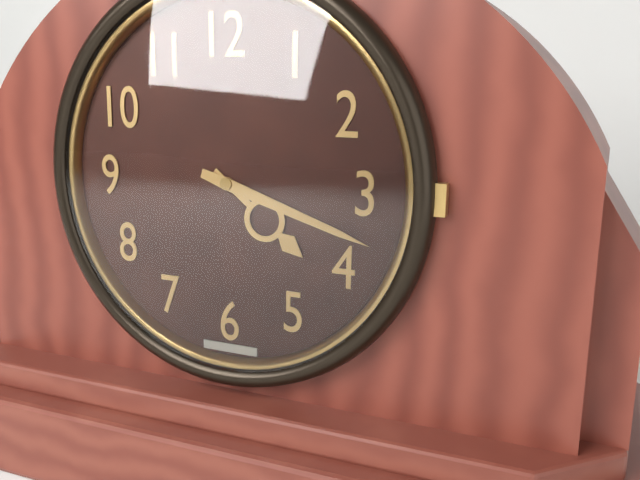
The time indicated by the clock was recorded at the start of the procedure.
4:18
